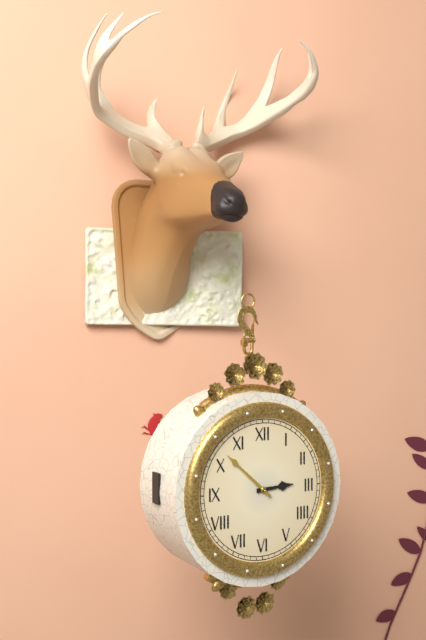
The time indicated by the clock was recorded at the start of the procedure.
2:52
